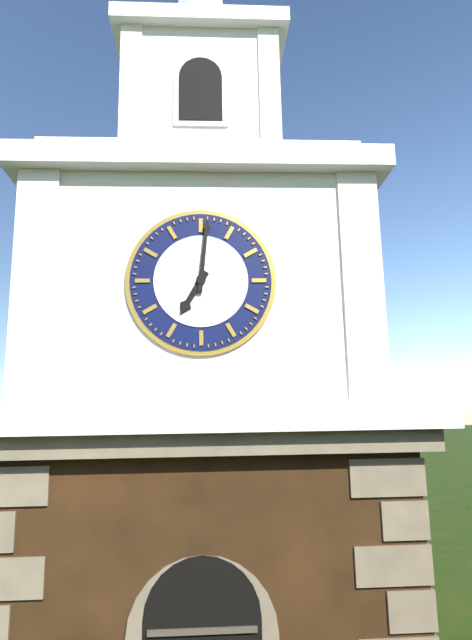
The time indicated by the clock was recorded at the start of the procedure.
7:01
